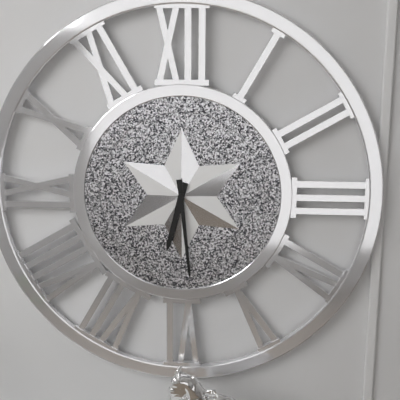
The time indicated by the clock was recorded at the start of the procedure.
6:29
